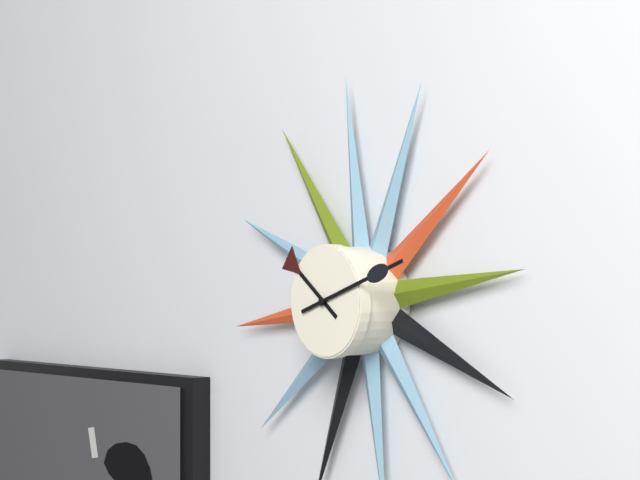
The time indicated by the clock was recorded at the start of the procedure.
10:12
